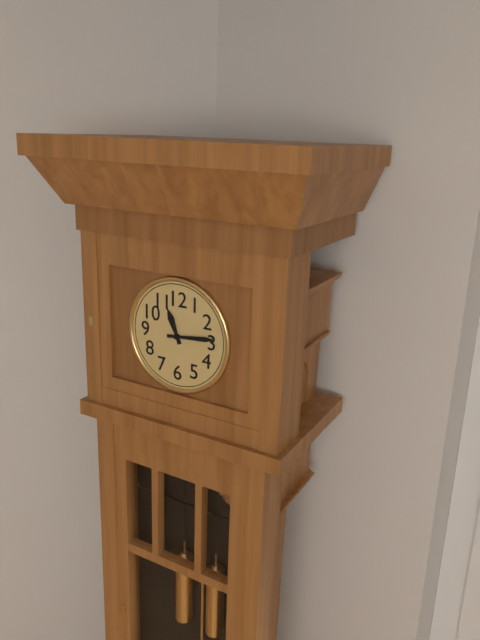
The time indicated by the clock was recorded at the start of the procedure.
11:14
